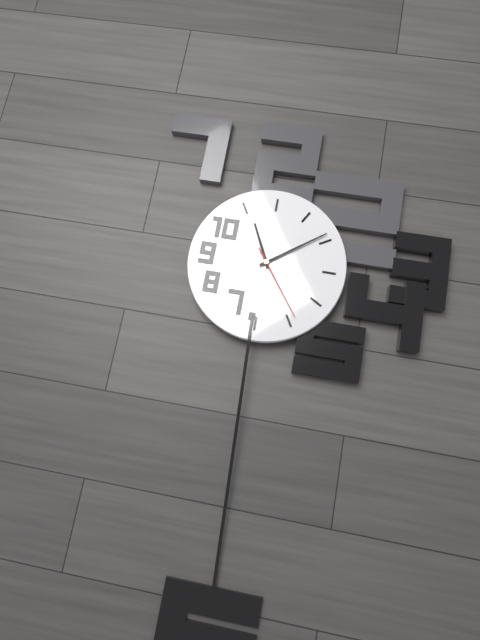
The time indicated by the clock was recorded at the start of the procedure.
11:09:24
